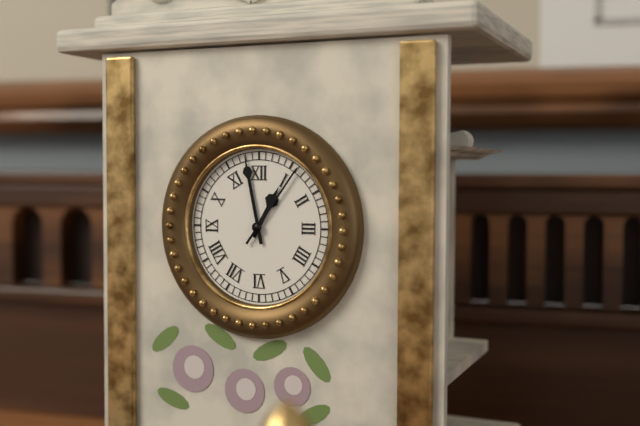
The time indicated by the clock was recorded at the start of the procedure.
12:58:06
